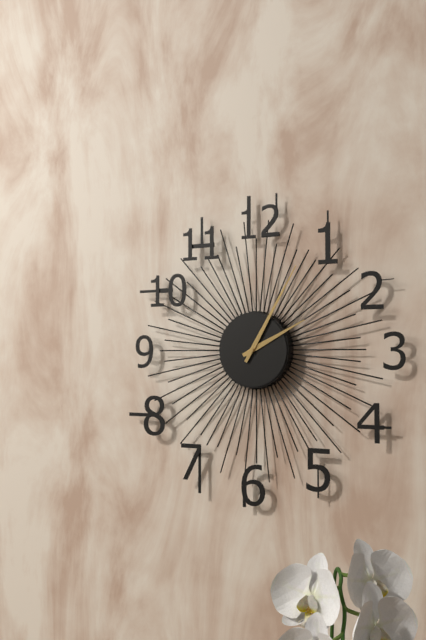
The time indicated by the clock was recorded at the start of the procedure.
2:05
